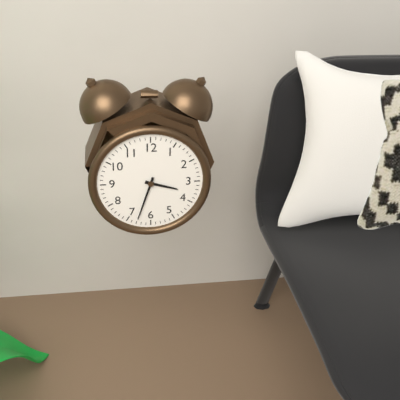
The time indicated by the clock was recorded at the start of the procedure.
3:33
